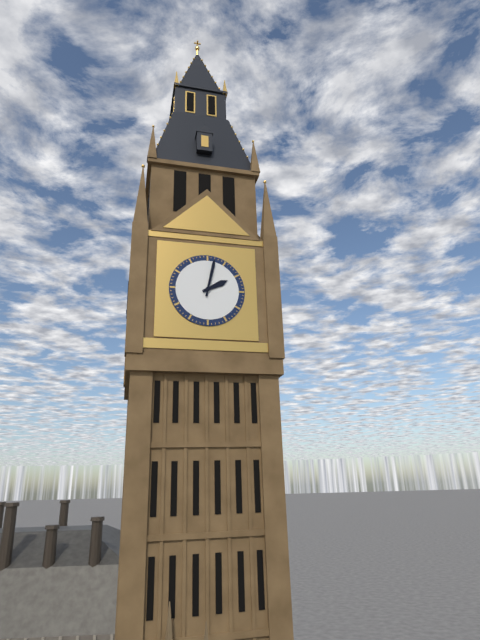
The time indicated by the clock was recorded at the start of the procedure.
2:02
